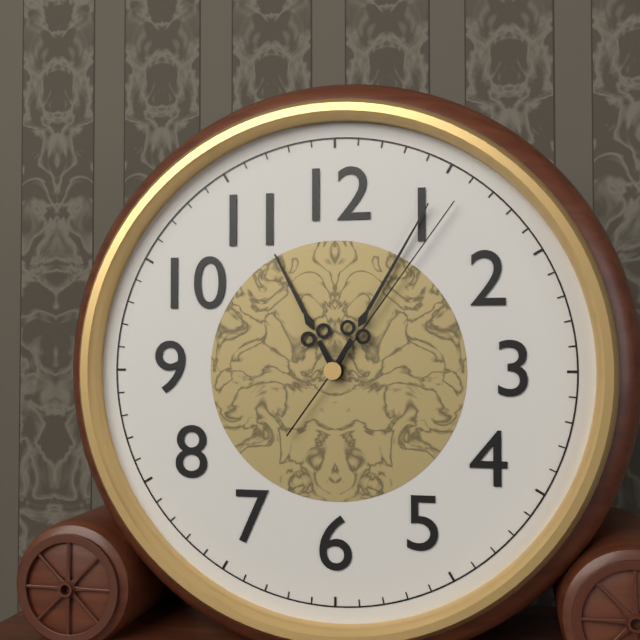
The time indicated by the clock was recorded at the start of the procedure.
11:05:06
